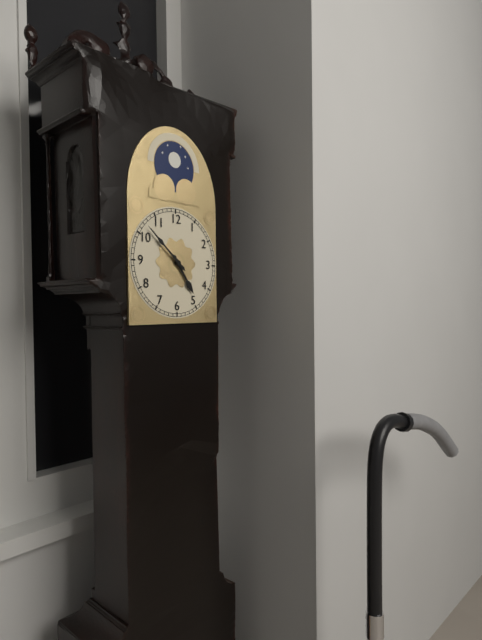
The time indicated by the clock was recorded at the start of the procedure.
4:52
